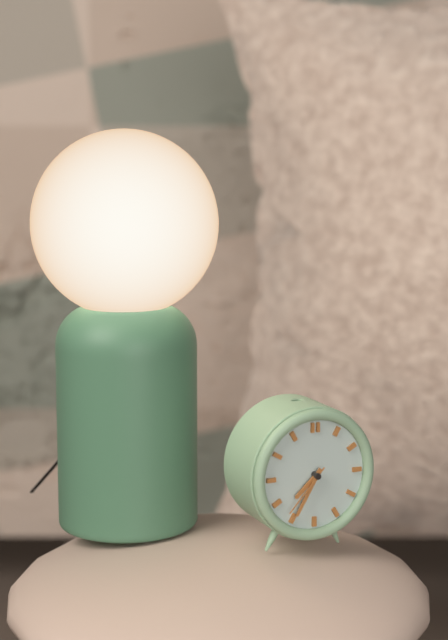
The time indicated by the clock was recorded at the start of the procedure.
7:35:37
